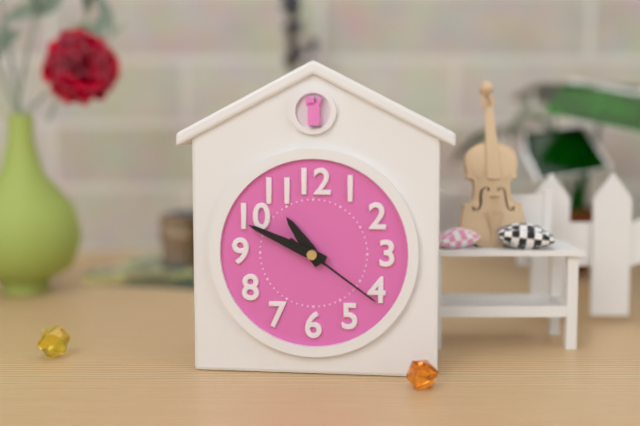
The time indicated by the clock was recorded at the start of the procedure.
10:49:21
